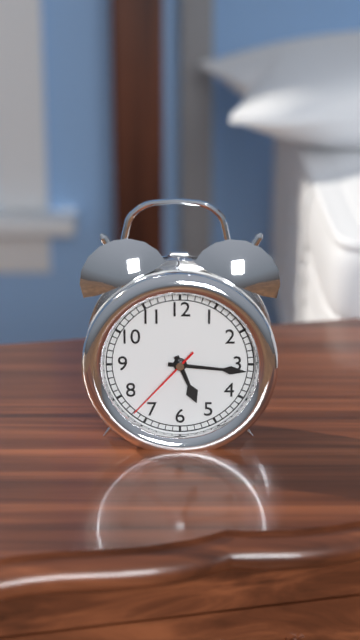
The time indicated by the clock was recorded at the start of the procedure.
5:16:37
